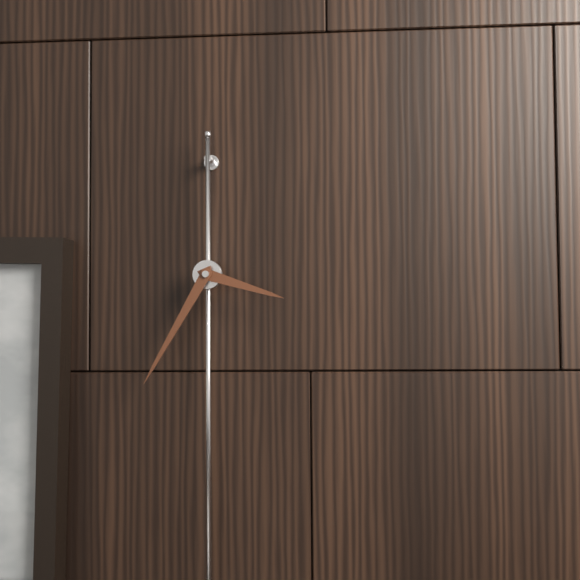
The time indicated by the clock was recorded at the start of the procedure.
3:35
